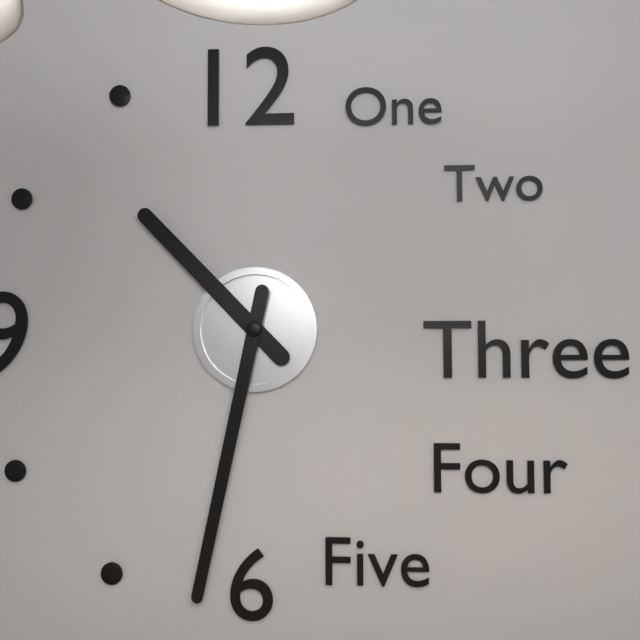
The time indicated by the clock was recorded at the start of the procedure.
10:32
